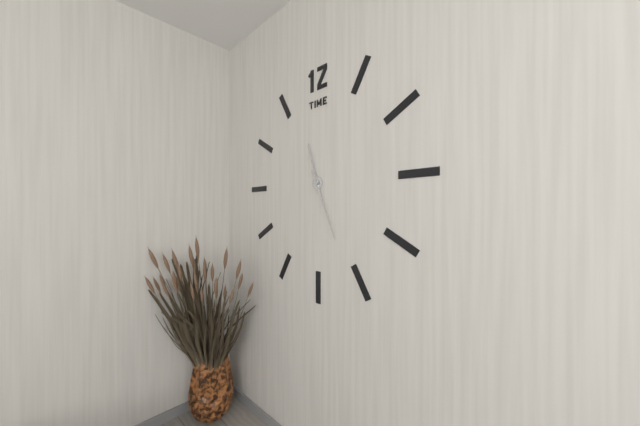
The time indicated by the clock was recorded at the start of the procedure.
11:26
